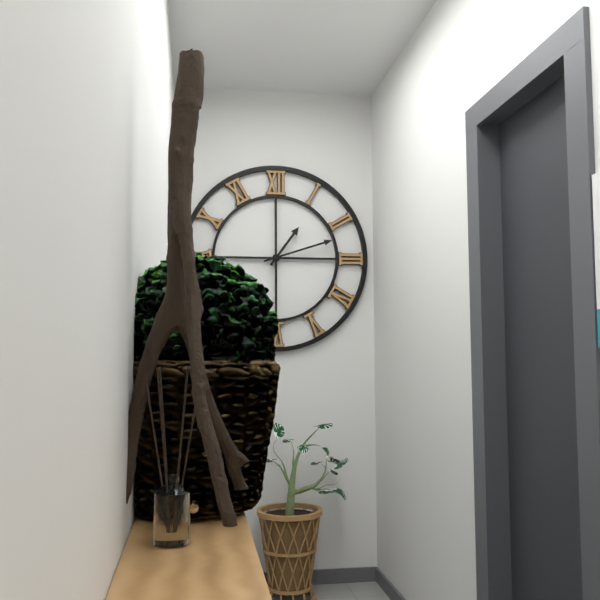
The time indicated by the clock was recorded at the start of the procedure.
1:12
